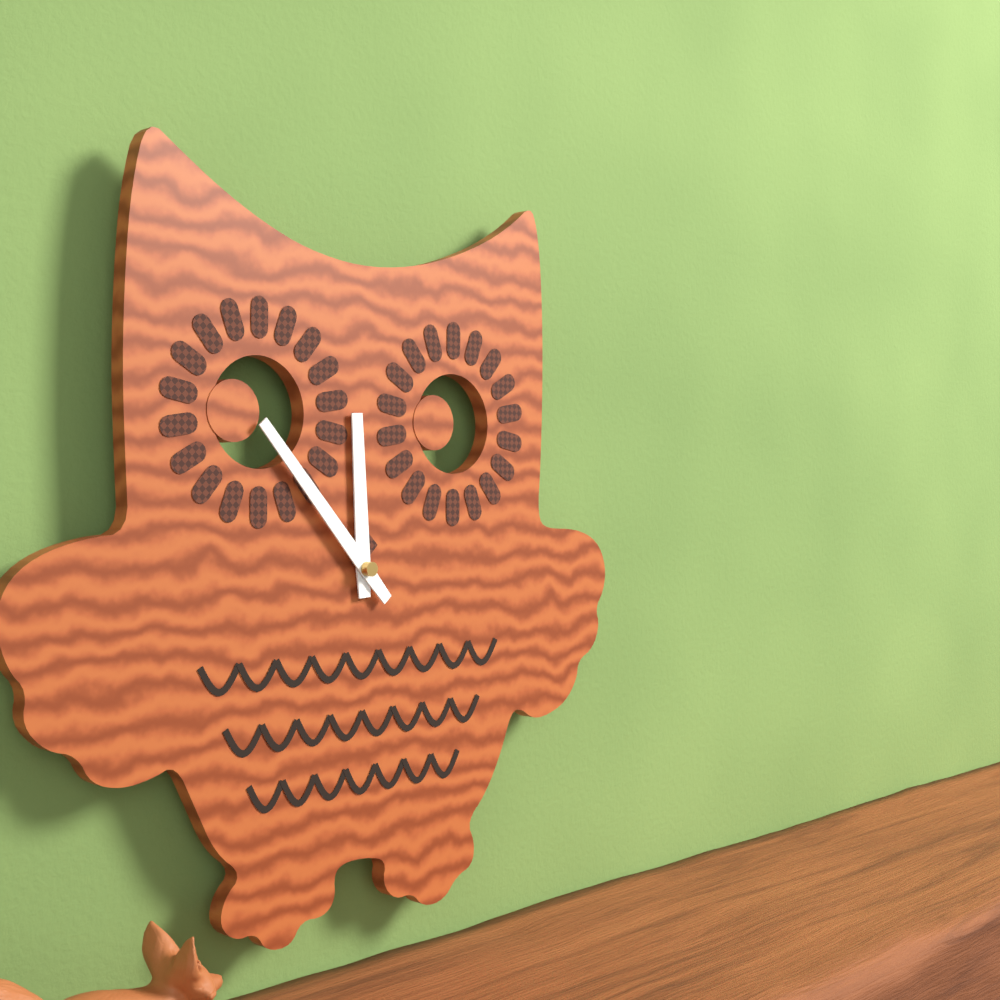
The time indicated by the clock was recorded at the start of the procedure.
11:53
